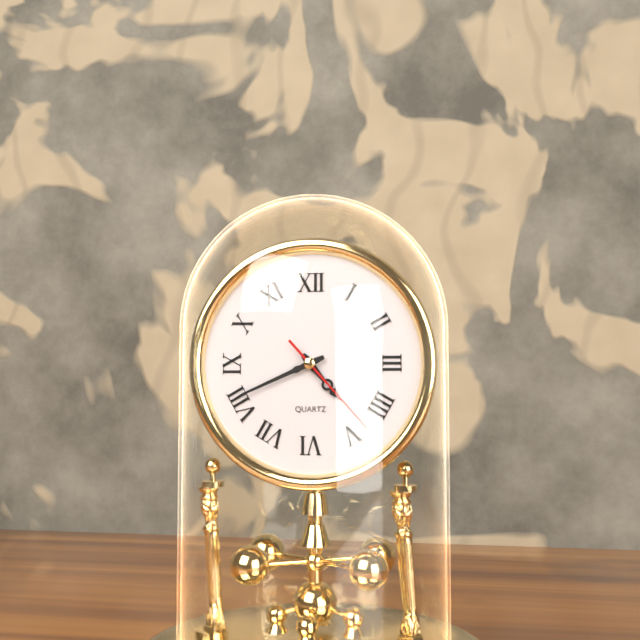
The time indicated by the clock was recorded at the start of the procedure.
4:41:23
